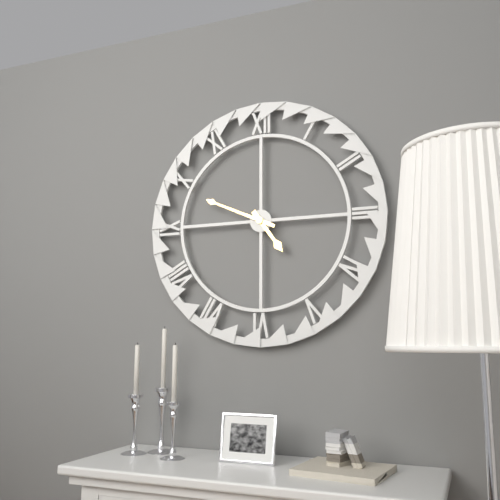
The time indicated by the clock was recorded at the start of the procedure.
4:49
